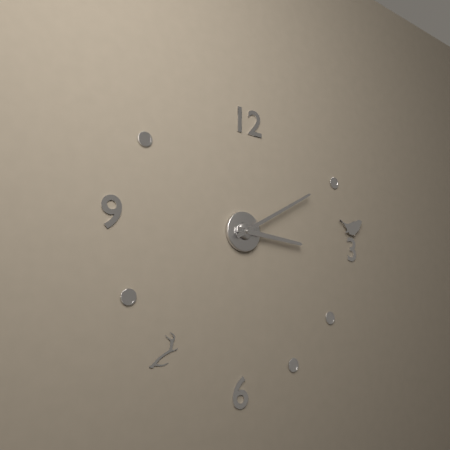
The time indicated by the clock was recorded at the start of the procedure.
3:10
